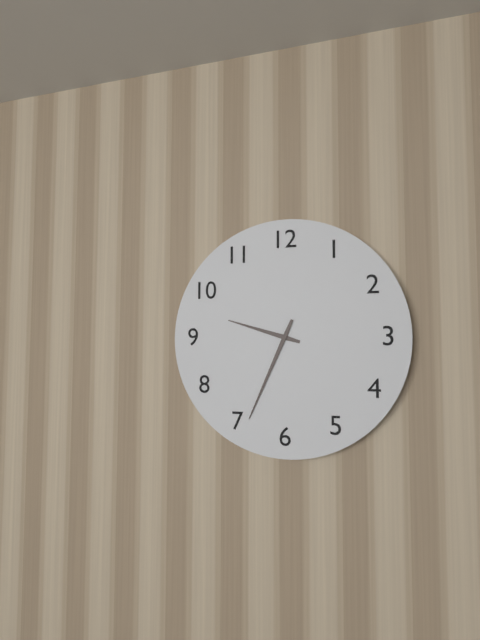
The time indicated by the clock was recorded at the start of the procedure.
9:34
